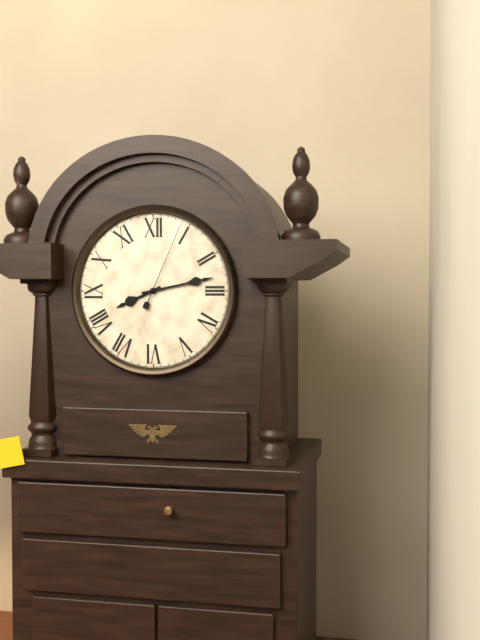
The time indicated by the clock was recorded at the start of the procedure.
8:13:04
